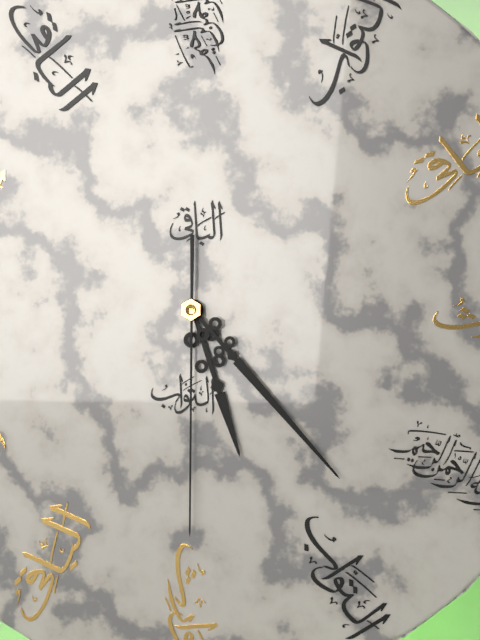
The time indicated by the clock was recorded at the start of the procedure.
5:23:30
